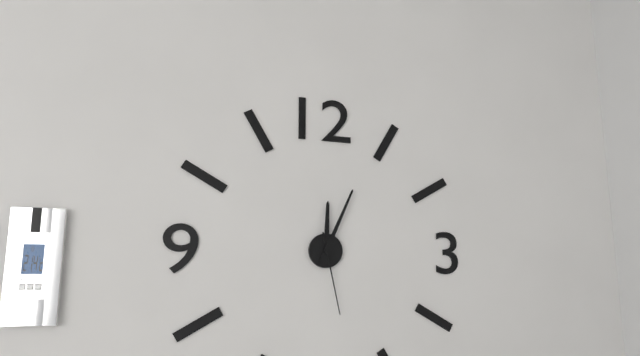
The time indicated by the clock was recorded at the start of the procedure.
12:04:28
